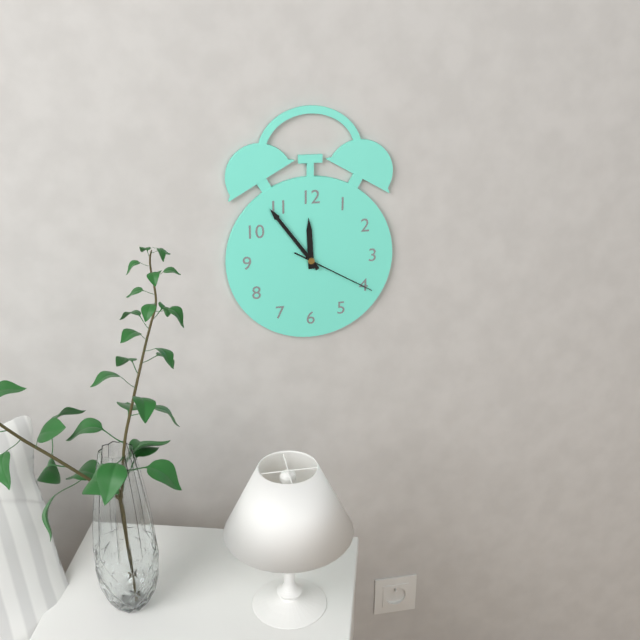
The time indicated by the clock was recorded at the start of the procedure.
11:54:20
